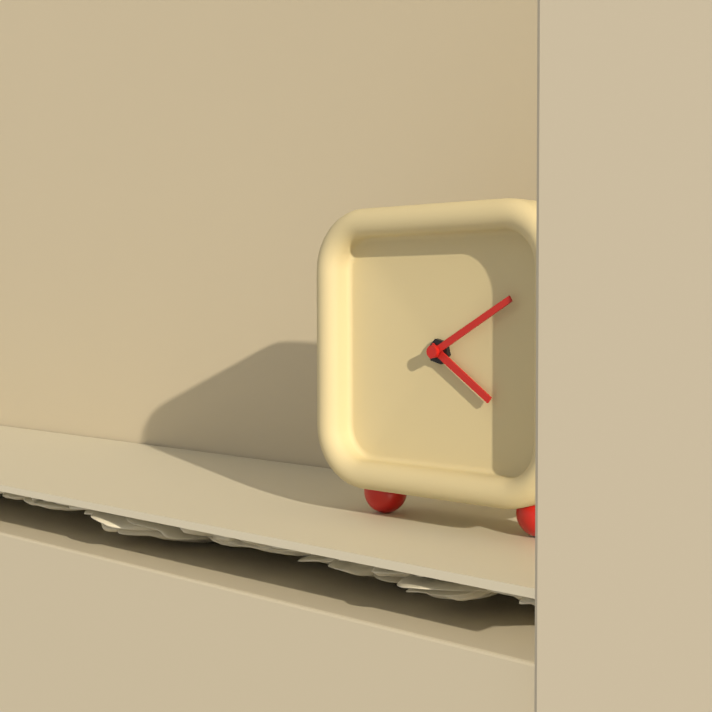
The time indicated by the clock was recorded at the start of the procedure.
4:10
